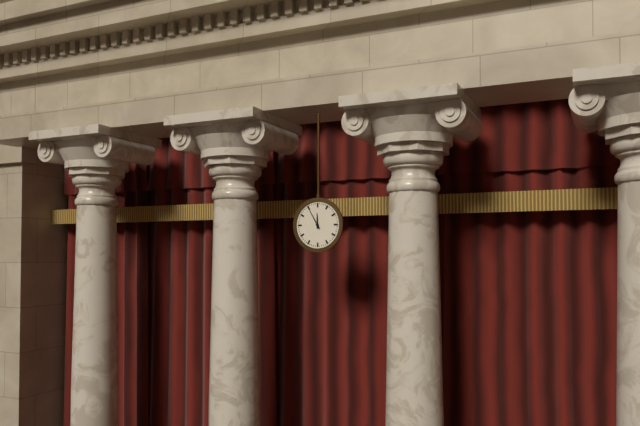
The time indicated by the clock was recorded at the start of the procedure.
11:55
